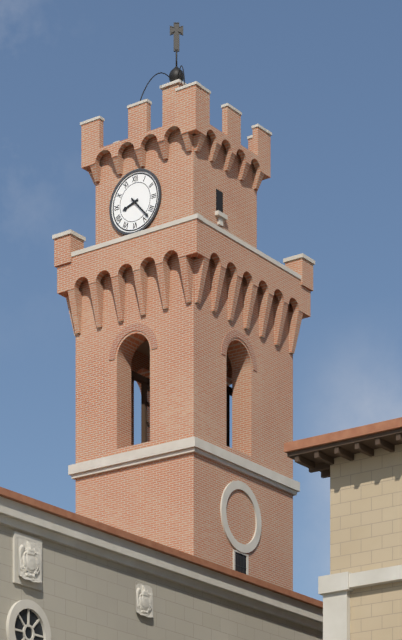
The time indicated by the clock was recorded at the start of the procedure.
8:23
